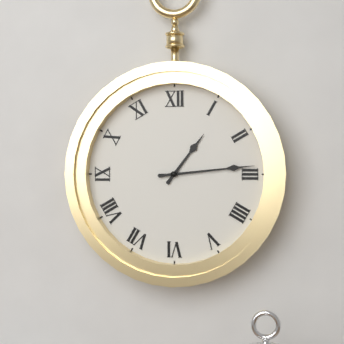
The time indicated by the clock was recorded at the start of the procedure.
1:14
